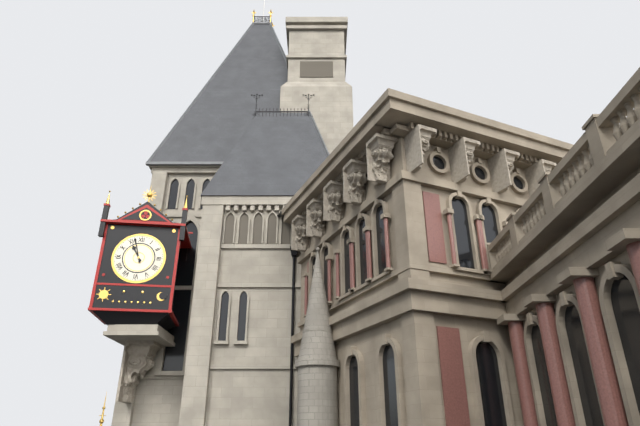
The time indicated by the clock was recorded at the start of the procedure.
10:57
